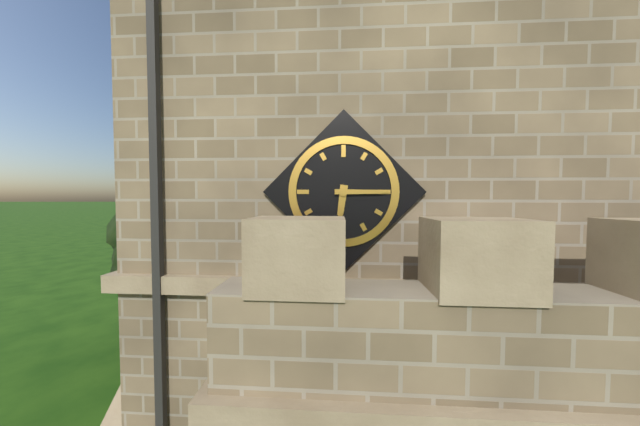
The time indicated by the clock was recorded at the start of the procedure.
6:15
